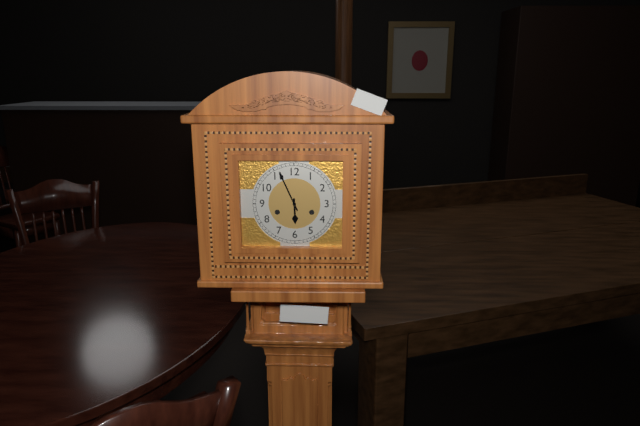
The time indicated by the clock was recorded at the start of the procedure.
5:56
